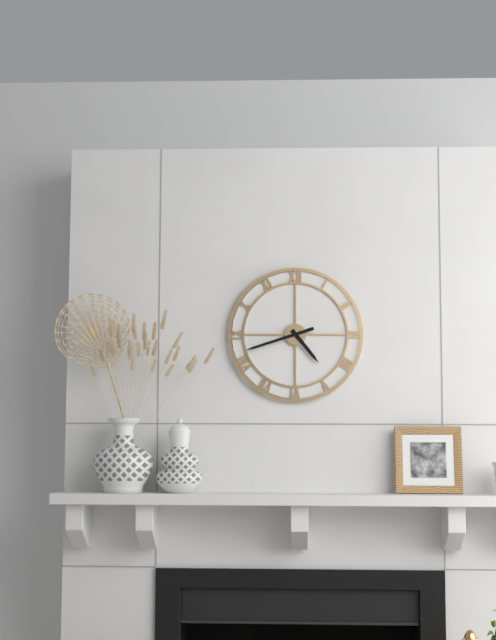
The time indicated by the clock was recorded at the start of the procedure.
4:42
